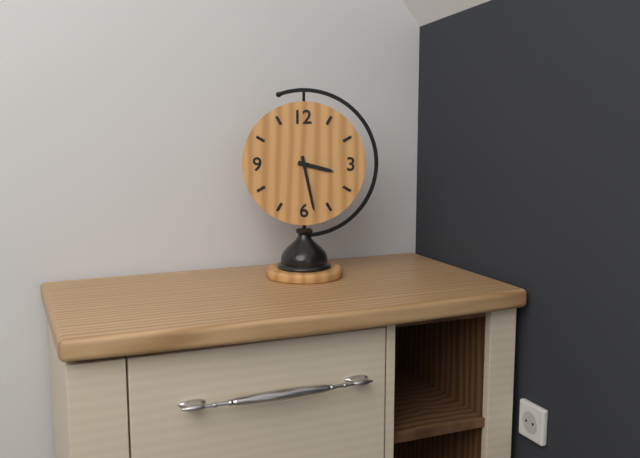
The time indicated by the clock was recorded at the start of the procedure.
3:28
